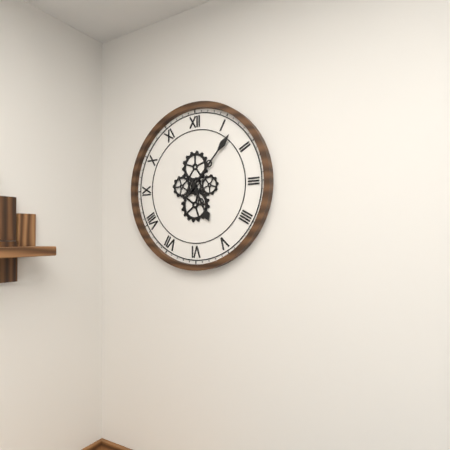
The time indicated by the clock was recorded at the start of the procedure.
5:07
